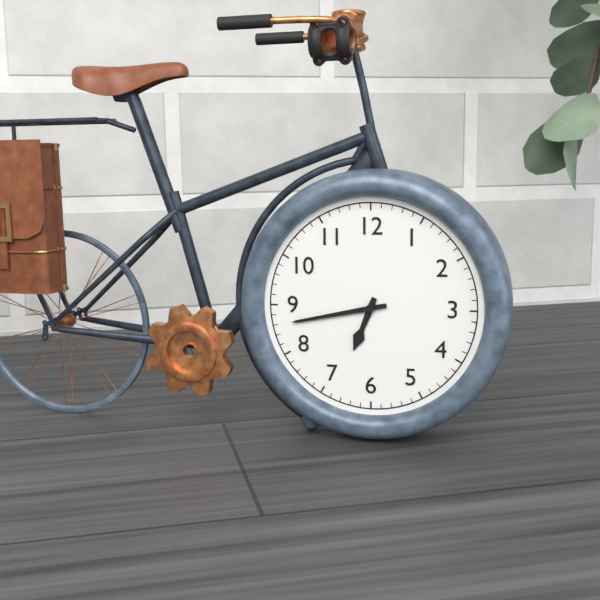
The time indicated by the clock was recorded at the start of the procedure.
6:43
